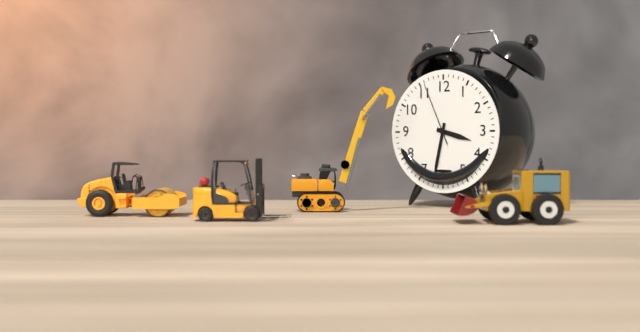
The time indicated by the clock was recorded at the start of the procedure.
3:32:56
